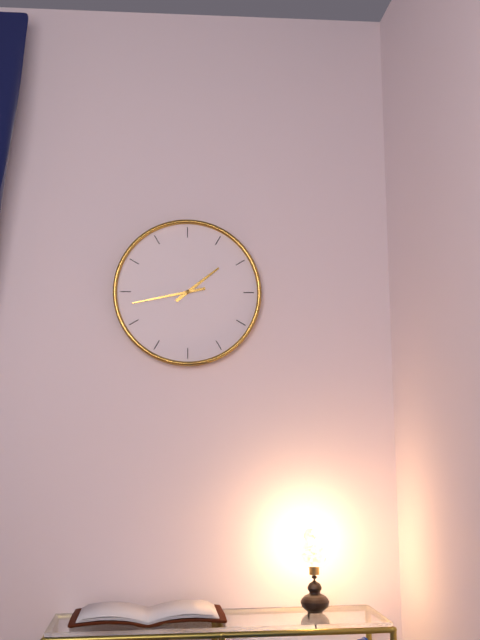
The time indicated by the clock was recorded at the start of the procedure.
1:43
